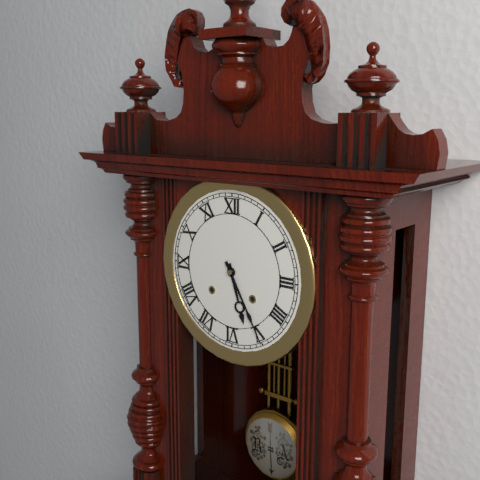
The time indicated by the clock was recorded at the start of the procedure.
5:25
